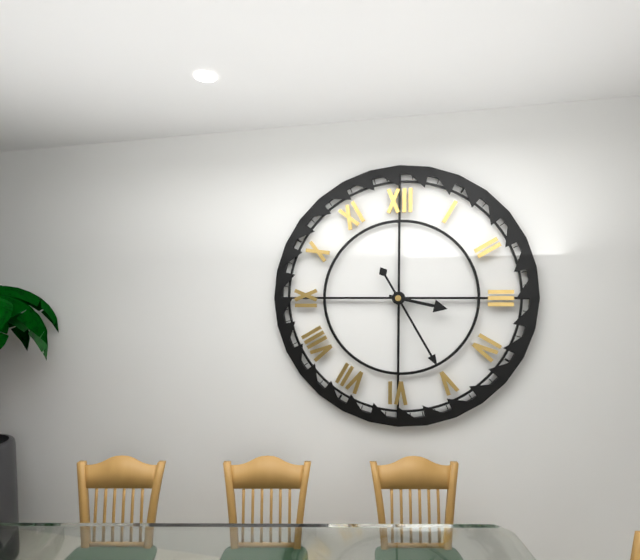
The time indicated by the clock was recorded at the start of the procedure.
3:25
